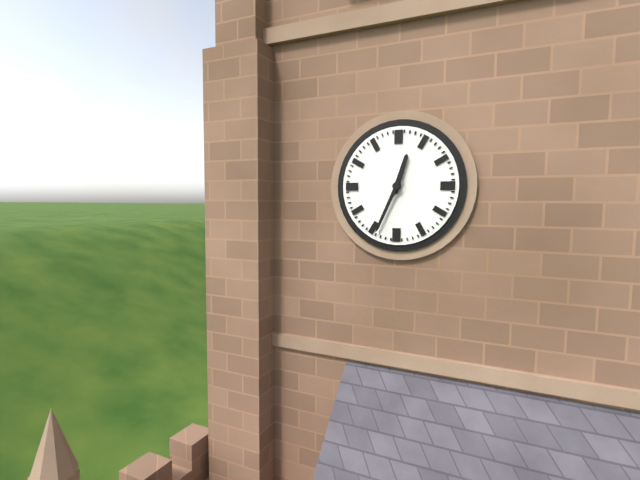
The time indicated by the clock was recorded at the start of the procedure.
12:34
